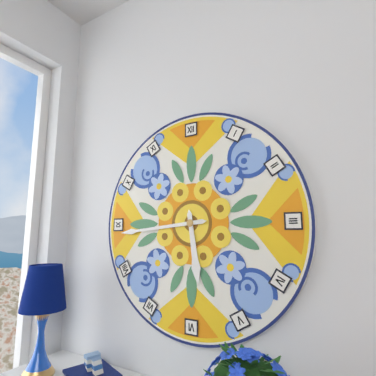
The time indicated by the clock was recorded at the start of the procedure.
5:44
